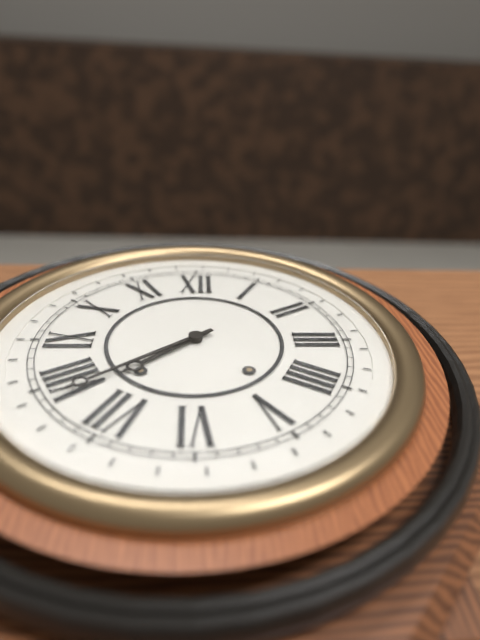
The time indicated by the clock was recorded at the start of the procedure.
7:39
